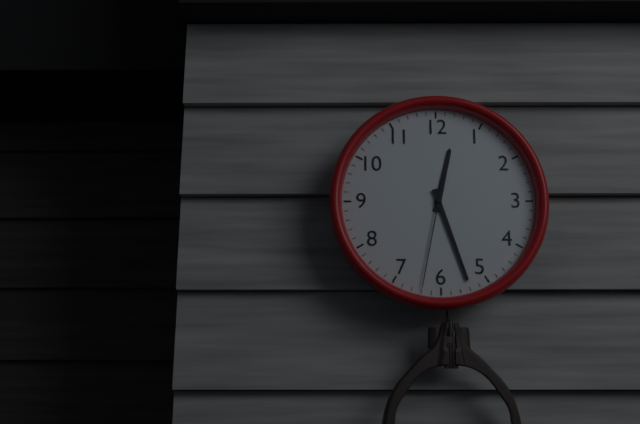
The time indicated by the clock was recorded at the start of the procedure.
12:27:32
